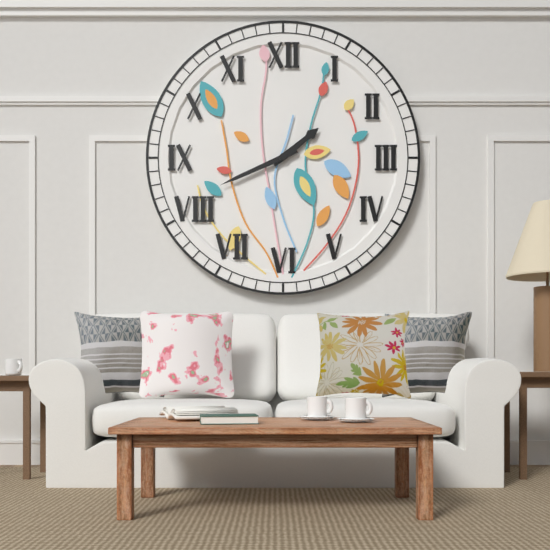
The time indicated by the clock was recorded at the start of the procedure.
1:41
